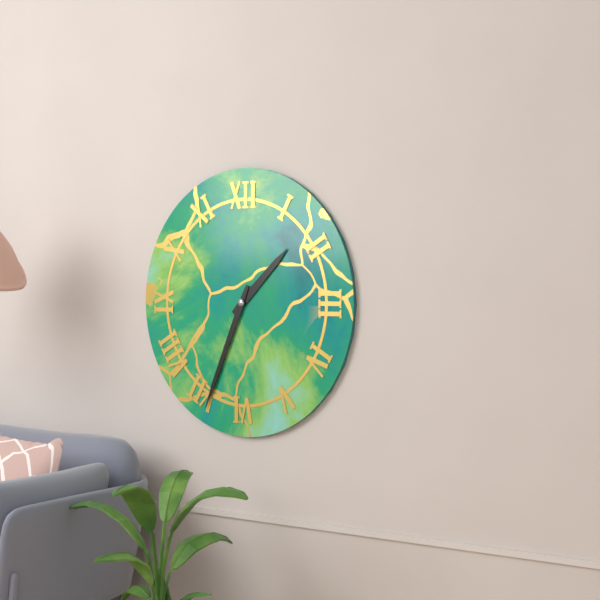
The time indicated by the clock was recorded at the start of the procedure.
1:34
